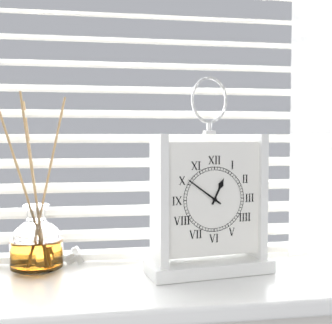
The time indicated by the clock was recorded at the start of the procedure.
12:51
